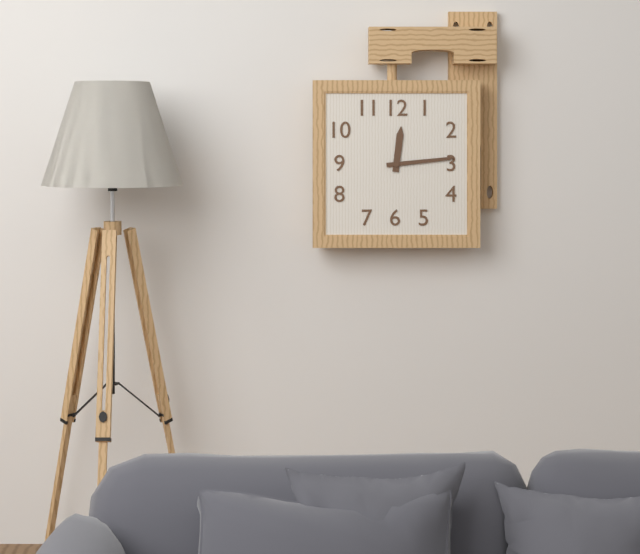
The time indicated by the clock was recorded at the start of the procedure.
12:14
